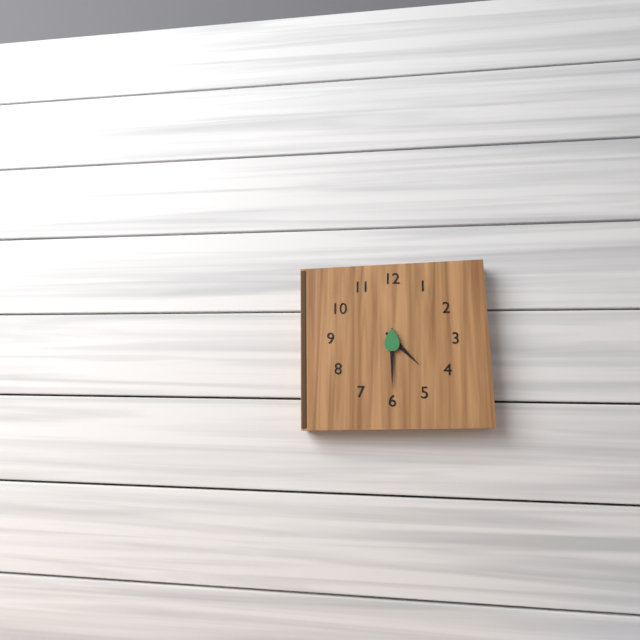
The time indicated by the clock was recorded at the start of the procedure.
4:30
